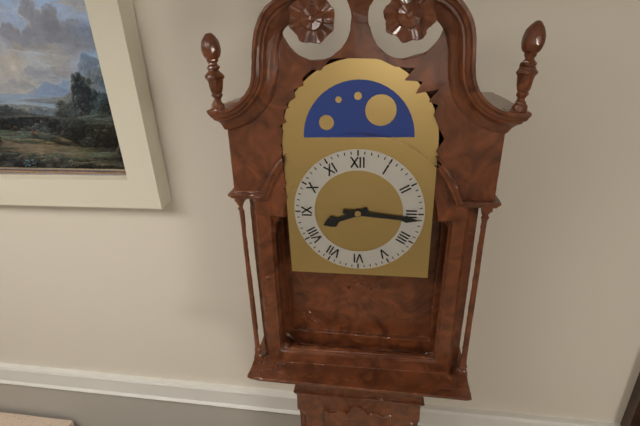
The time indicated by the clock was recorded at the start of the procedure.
8:16
